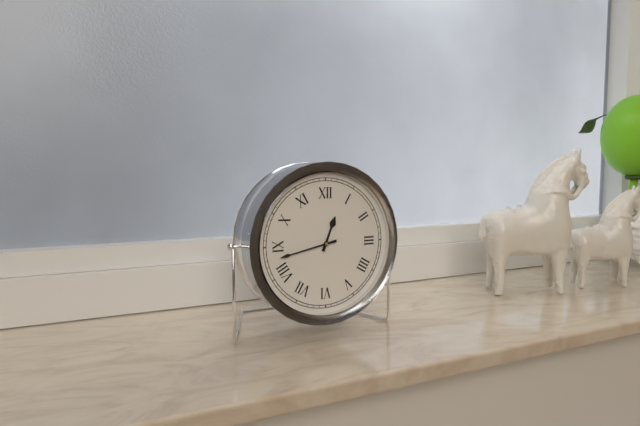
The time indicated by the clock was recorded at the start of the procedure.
12:43
